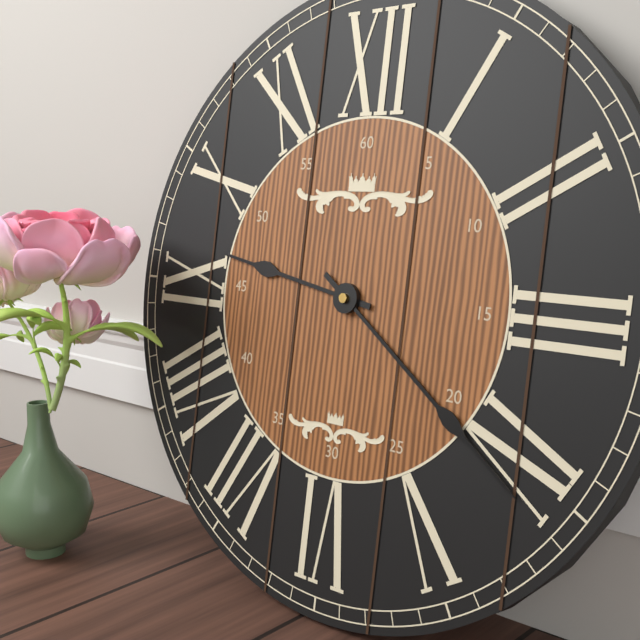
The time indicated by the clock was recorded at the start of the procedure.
9:21
